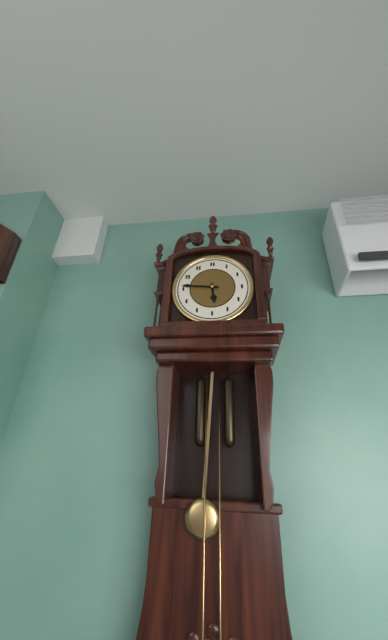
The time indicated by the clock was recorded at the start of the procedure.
5:46
